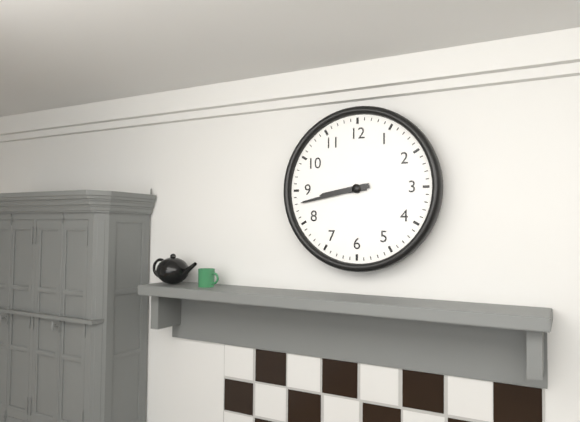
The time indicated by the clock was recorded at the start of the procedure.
8:43
